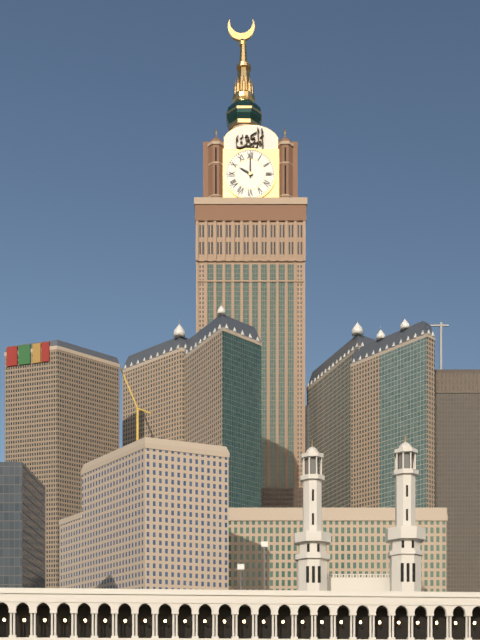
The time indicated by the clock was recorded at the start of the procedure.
10:00
